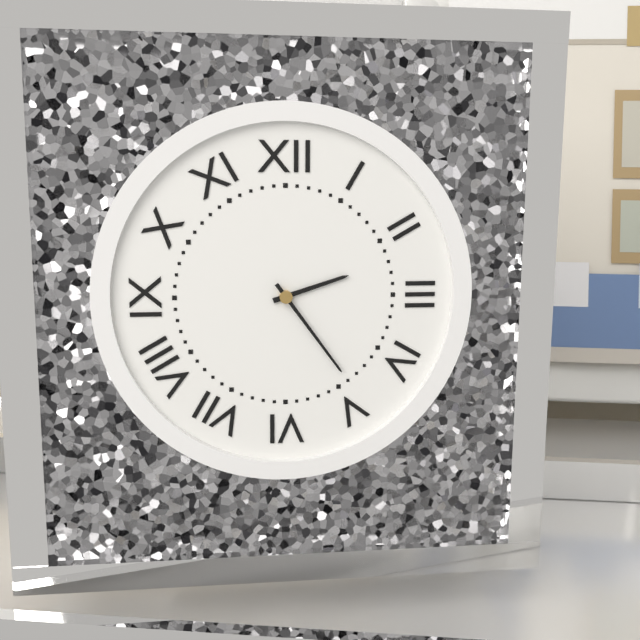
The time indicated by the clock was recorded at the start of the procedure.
2:24
